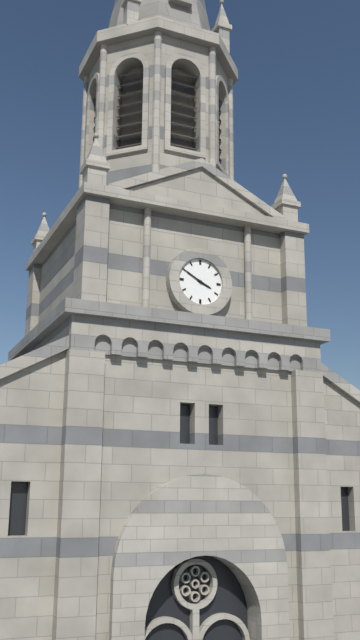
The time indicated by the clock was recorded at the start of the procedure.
3:50
